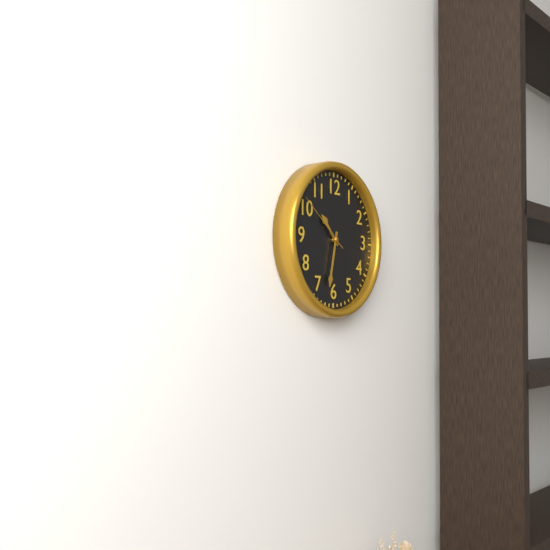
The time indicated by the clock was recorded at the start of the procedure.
10:32:51
